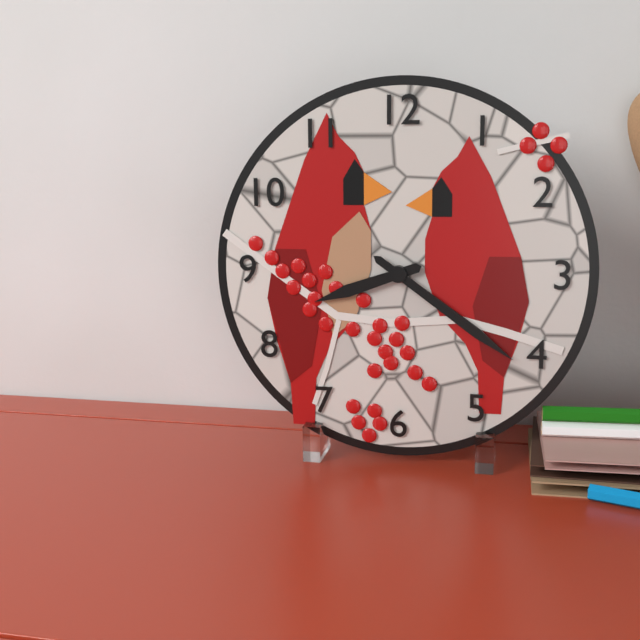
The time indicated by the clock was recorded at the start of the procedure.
8:21
